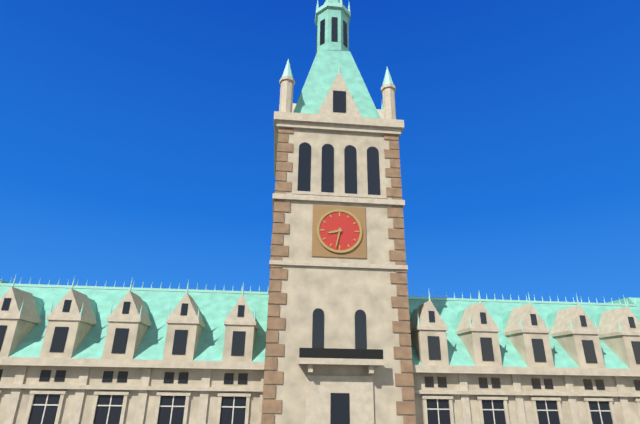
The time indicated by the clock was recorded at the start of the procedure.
8:32
